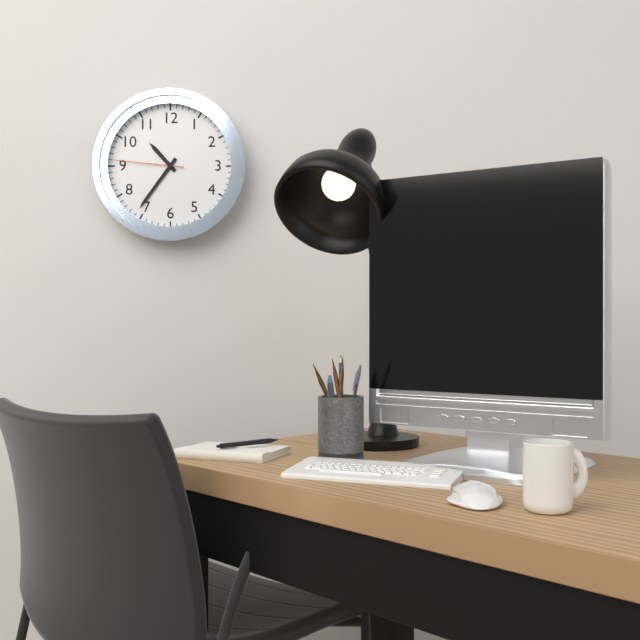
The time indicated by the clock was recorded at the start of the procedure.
10:36:46
